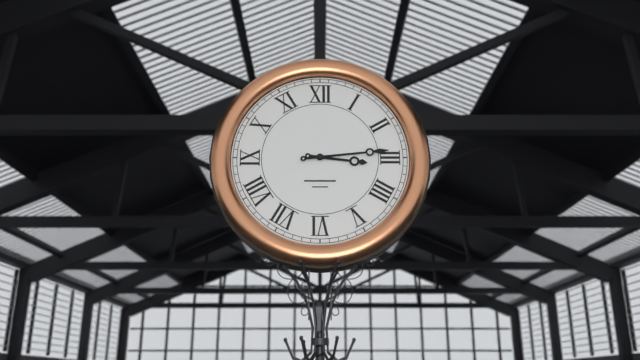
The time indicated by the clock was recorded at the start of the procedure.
3:14
